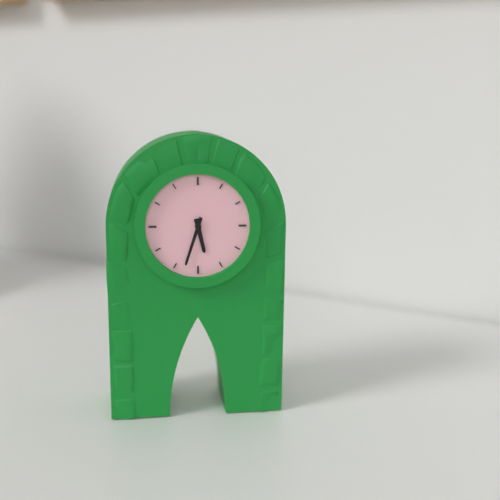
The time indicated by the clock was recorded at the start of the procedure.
5:33
